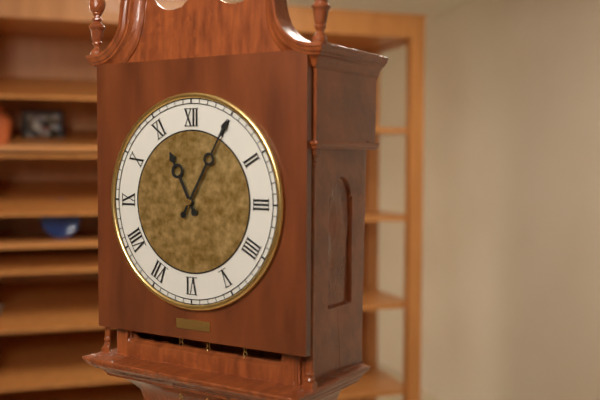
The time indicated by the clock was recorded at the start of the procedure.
11:05
